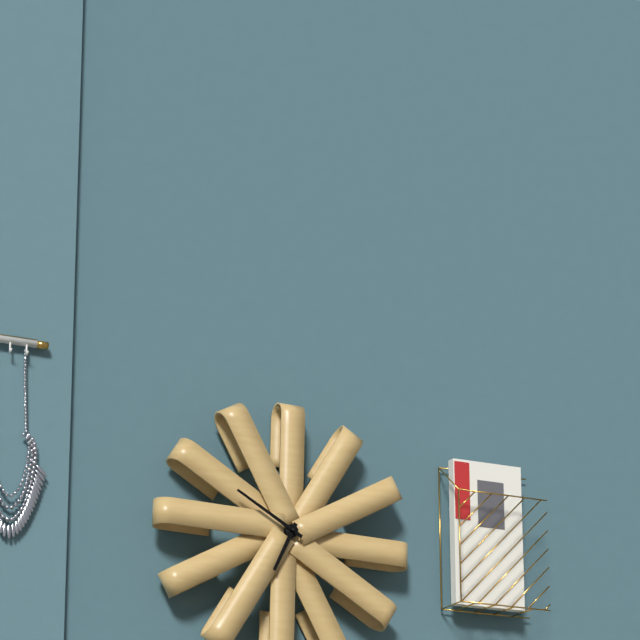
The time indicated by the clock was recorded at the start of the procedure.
6:50
